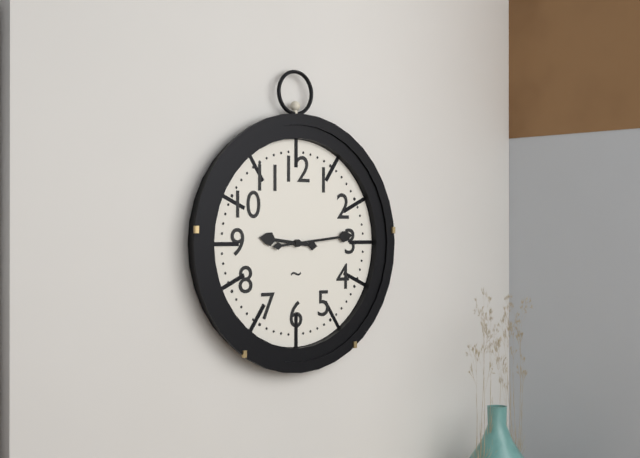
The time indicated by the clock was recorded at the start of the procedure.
9:14
